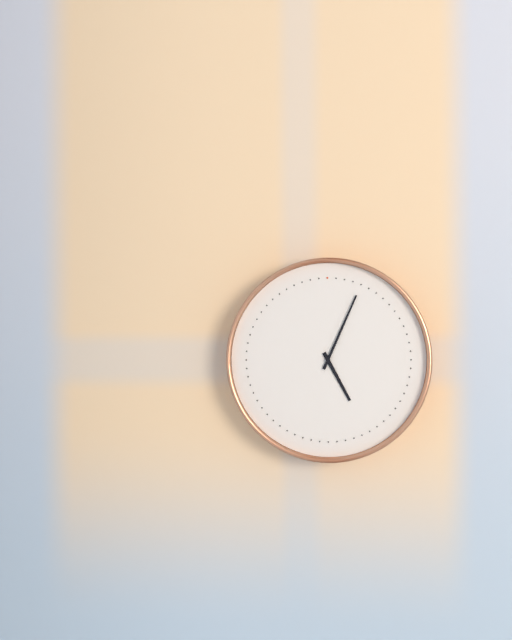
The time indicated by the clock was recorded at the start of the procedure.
5:04
